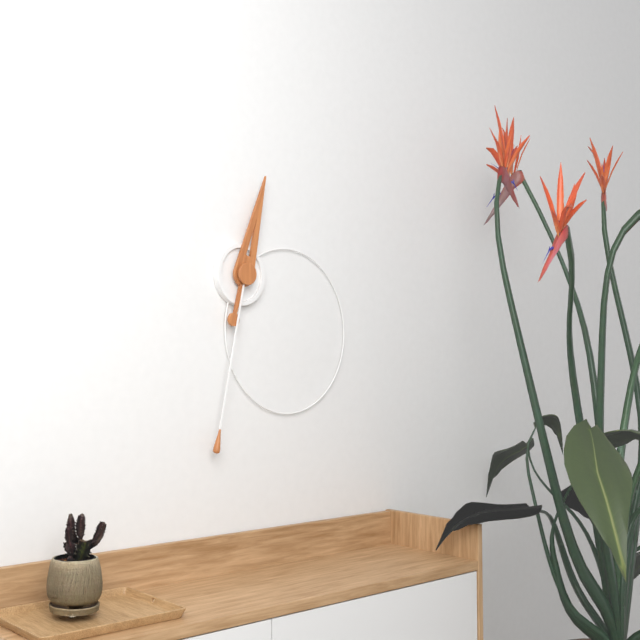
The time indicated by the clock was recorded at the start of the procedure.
12:32
